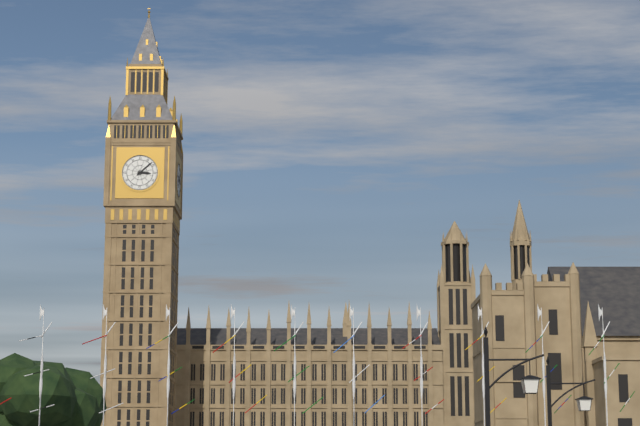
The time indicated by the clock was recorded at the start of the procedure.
3:08
